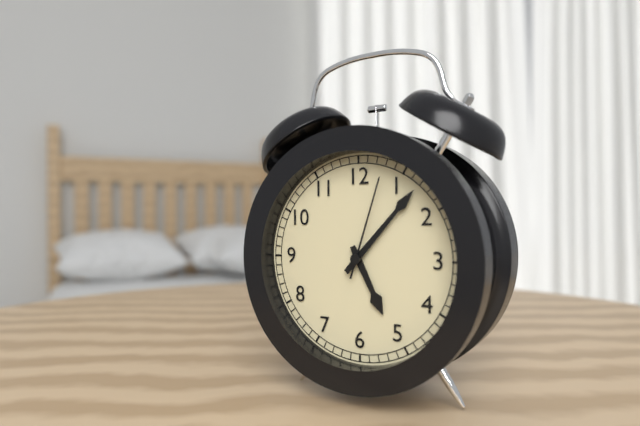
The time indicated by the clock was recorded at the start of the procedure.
5:07:03
